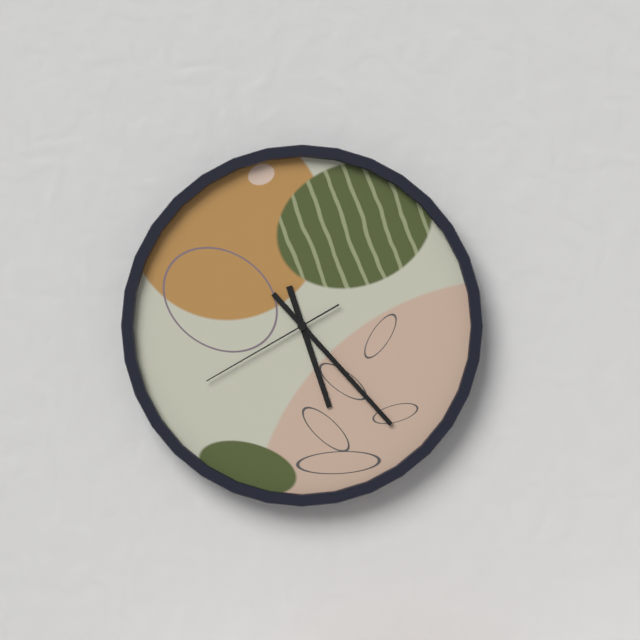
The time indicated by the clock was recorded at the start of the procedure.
5:23:40
